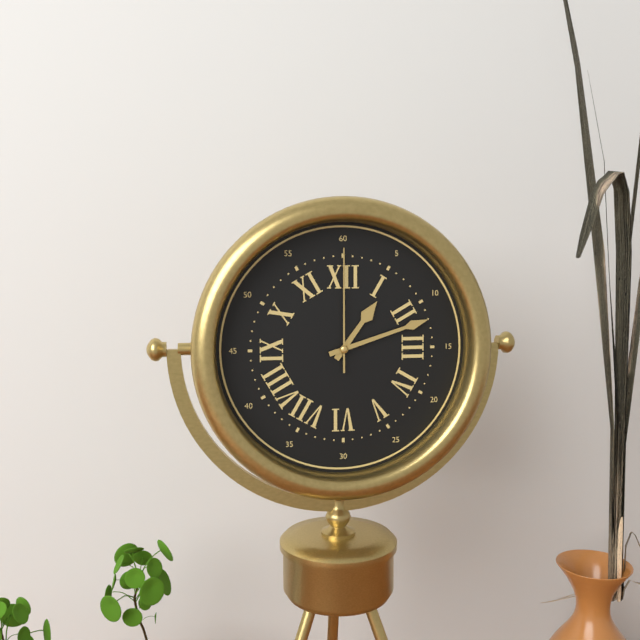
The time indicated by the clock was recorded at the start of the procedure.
1:12:00
